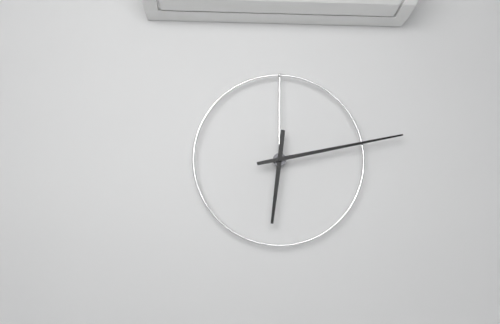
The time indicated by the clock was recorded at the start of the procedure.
6:13
